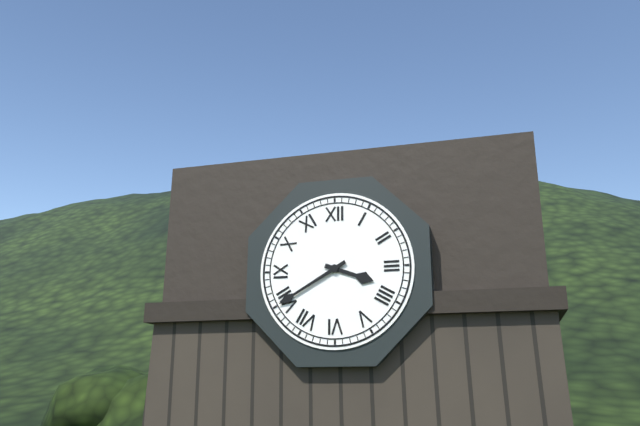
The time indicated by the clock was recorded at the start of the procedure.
3:40
